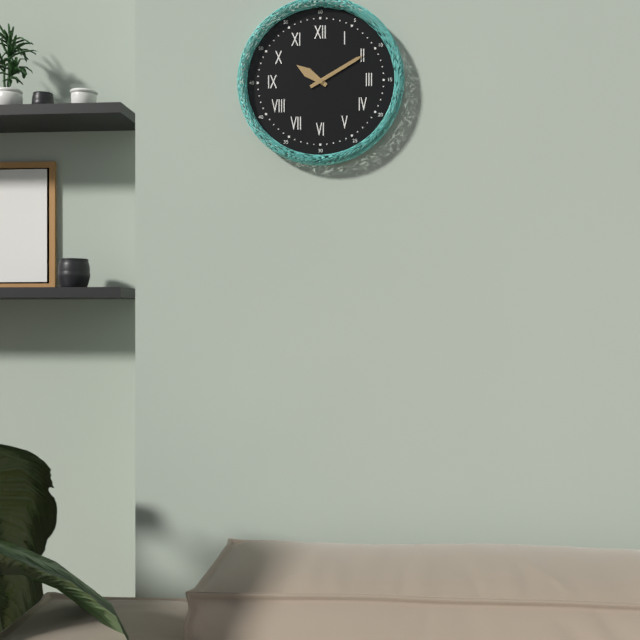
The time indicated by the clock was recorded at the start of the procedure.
10:10
